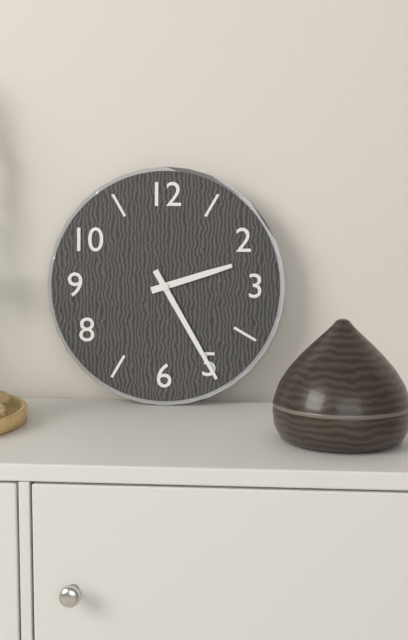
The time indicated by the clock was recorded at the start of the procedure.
2:25
